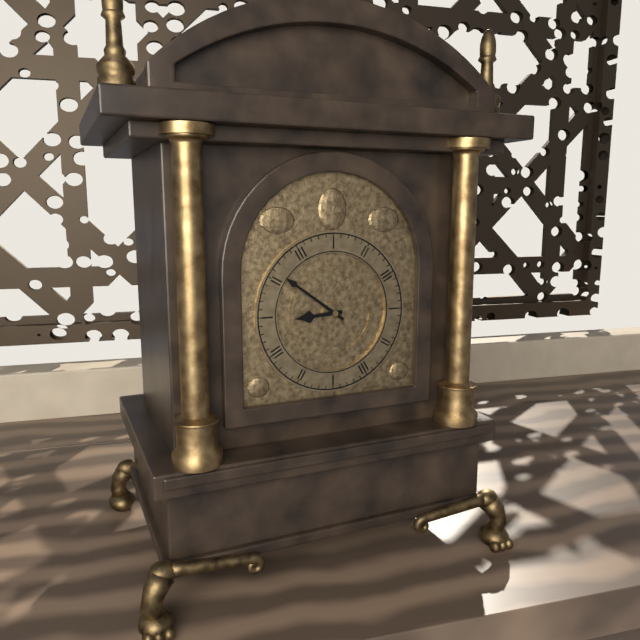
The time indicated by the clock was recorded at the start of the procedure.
8:51
